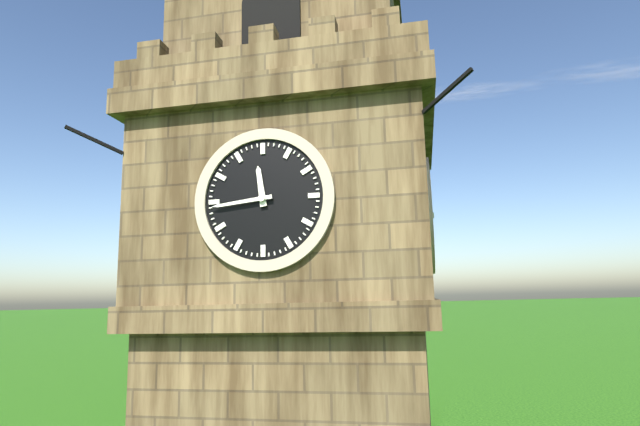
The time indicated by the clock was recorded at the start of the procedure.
11:44
